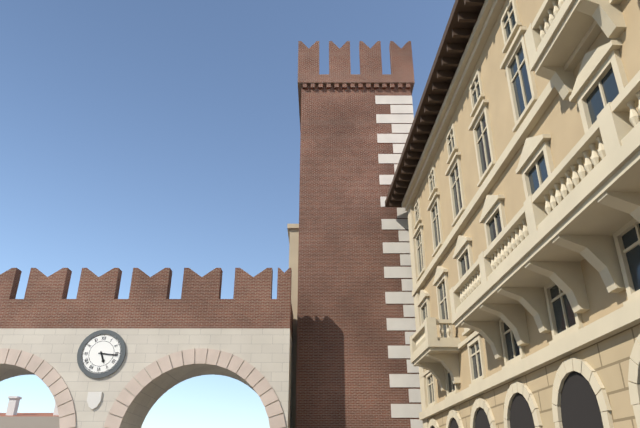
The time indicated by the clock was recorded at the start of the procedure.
5:16
